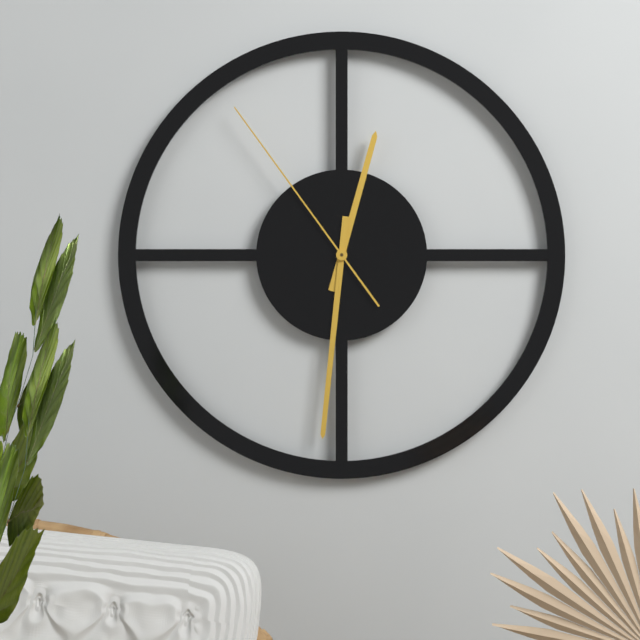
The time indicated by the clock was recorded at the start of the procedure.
12:31:54
